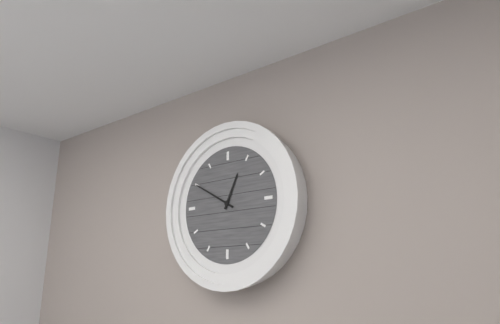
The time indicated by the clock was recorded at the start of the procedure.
12:50
